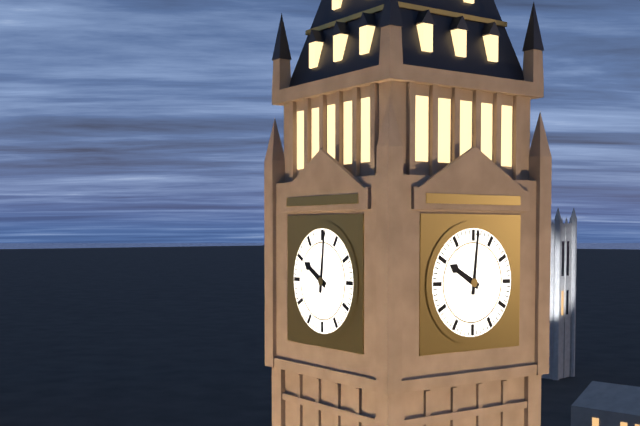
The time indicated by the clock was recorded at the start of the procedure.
10:01
